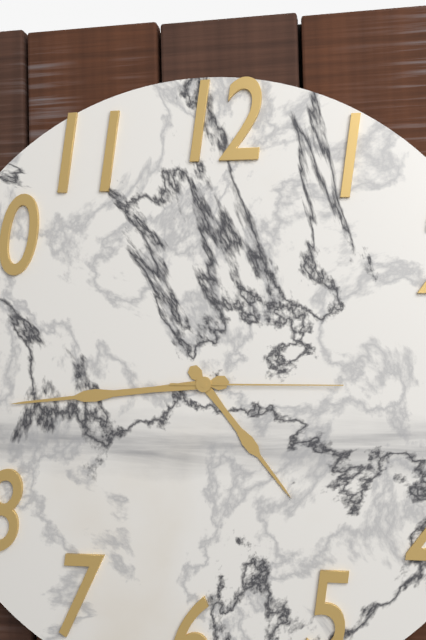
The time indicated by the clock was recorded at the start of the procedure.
4:44:15
